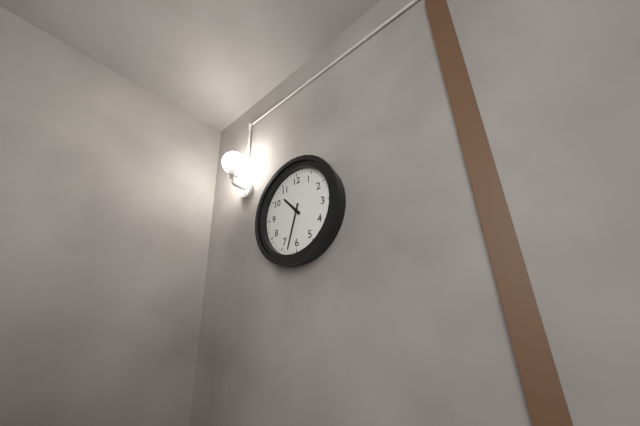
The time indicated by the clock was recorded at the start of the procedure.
10:33
